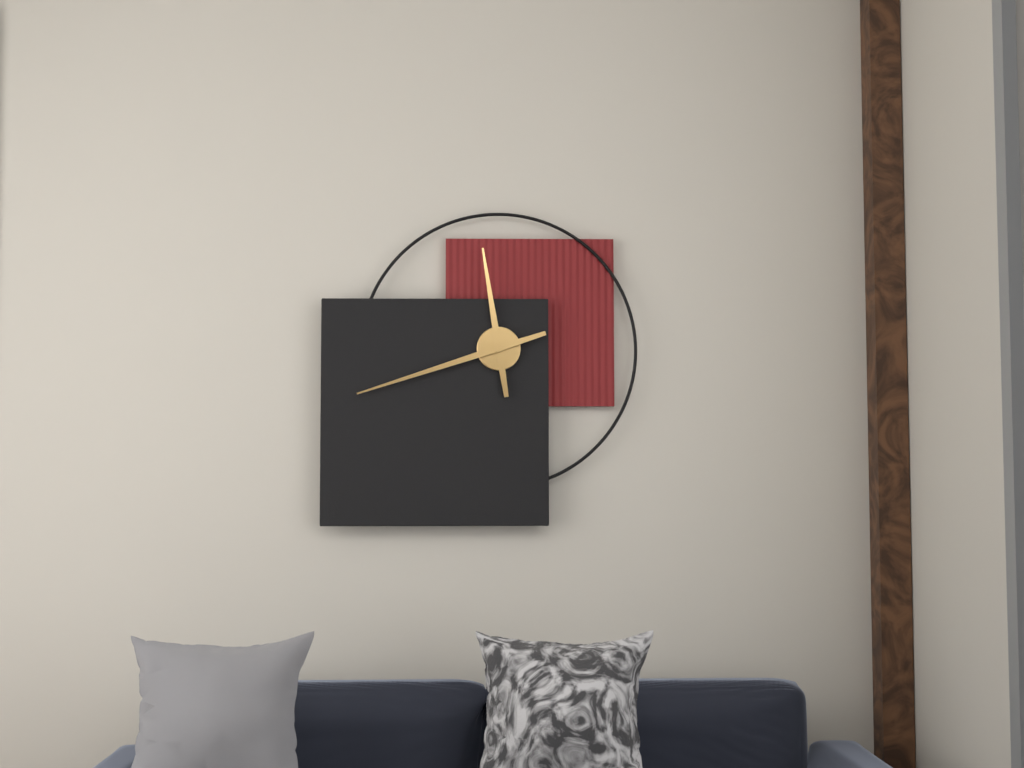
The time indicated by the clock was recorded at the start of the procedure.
11:42
